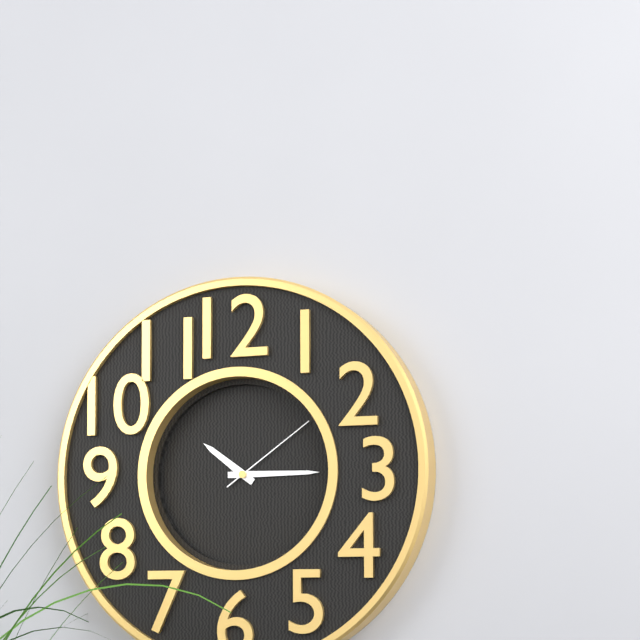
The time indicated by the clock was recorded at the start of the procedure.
10:15:09
